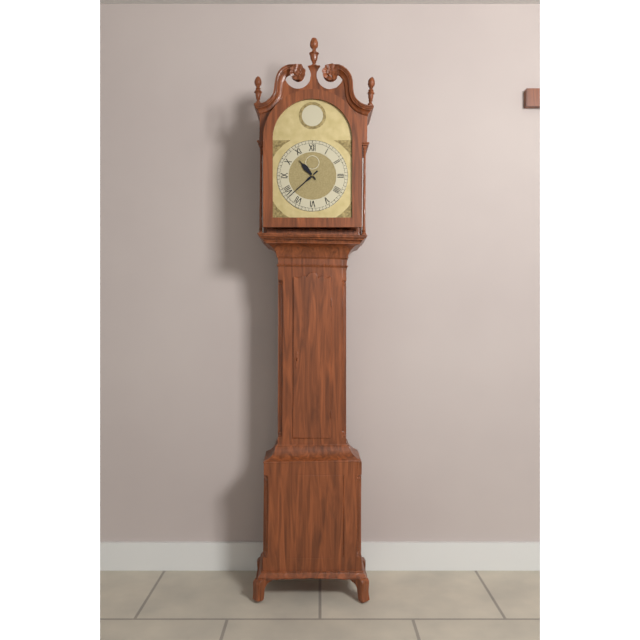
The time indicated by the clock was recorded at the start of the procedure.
10:38
